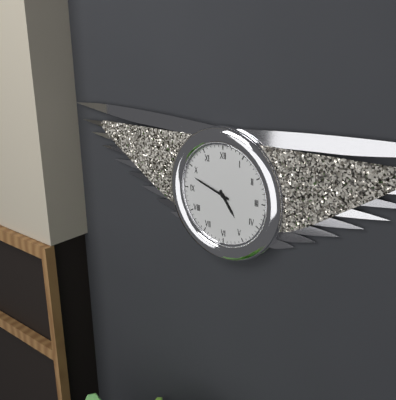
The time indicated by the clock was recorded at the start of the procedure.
4:48
